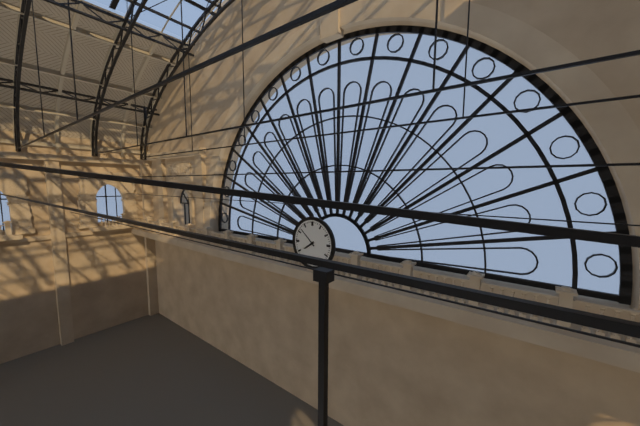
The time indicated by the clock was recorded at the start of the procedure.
7:52
